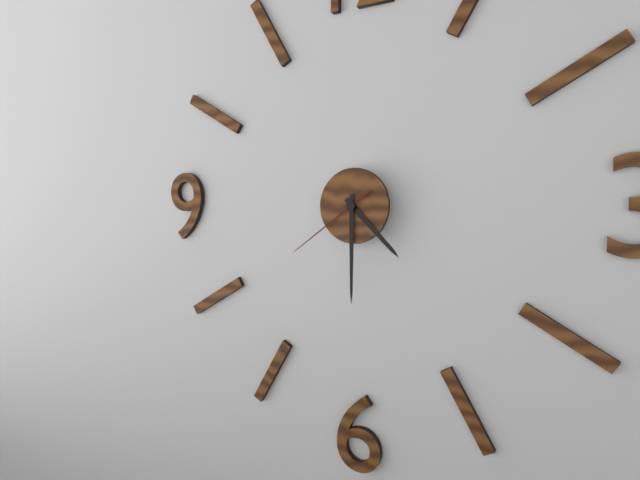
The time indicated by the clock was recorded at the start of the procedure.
4:30:39
